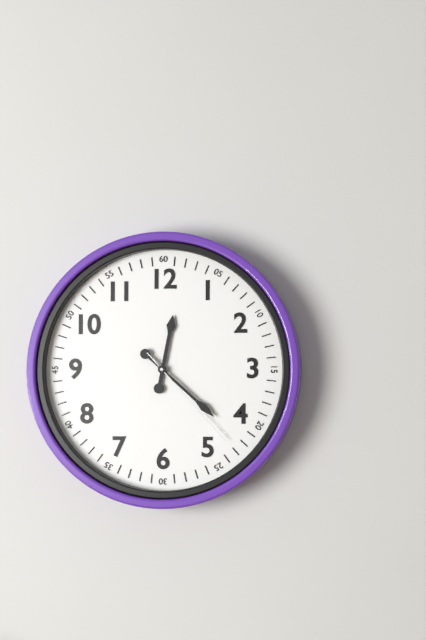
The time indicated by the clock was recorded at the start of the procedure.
12:22:23
